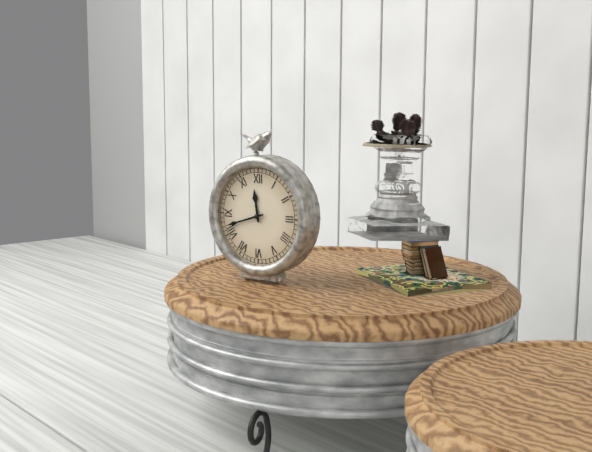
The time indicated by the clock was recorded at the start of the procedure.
11:42
